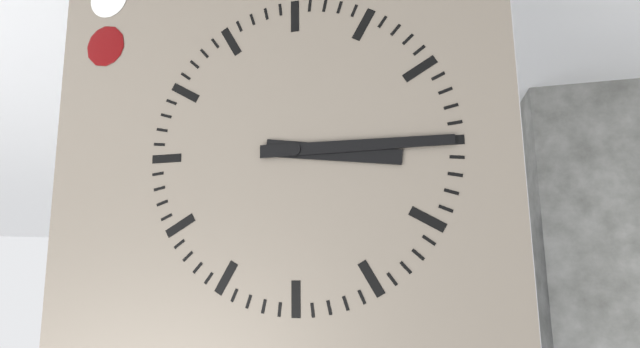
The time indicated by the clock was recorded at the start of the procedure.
3:15
